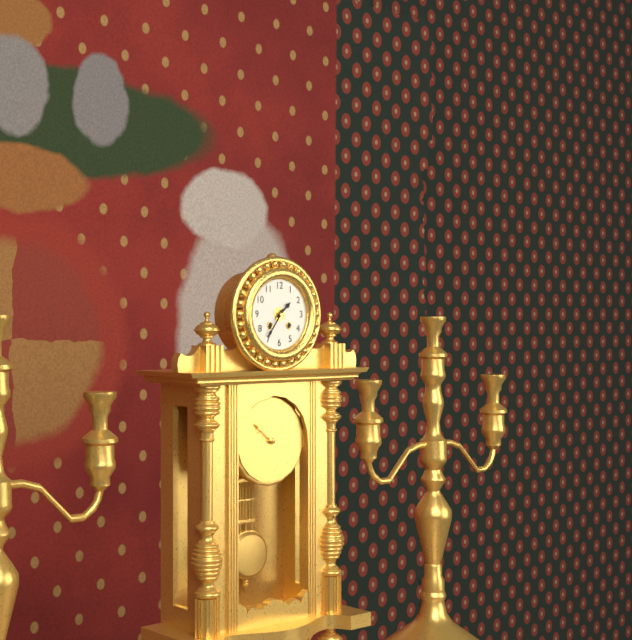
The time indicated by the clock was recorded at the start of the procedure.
1:36
